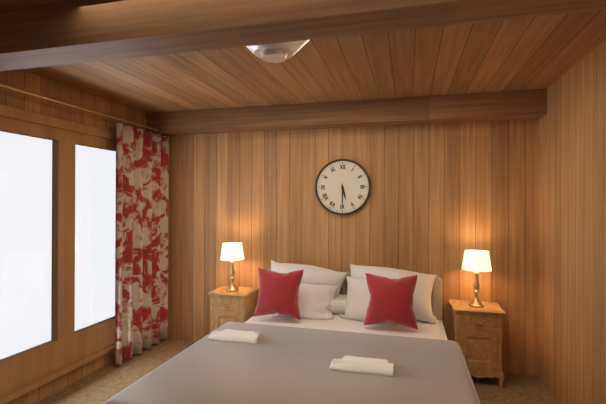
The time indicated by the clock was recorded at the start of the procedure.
5:30
